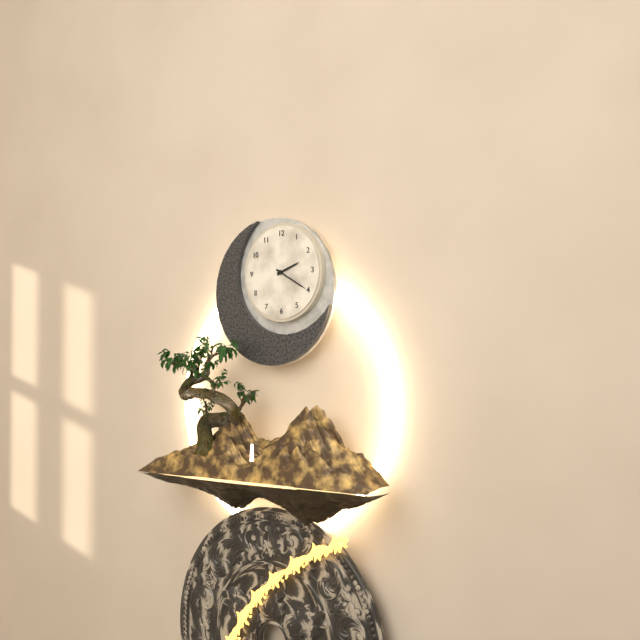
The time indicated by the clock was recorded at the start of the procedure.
2:20
